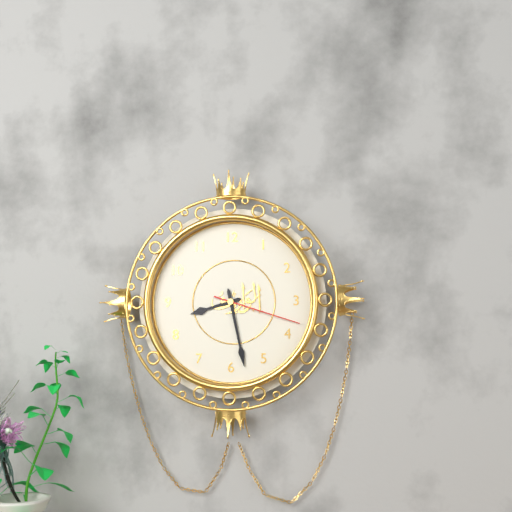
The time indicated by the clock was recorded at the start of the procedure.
8:28:18
